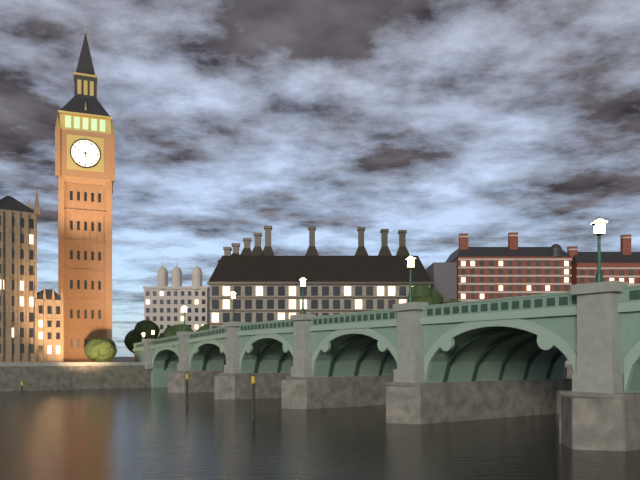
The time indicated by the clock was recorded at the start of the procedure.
5:49
